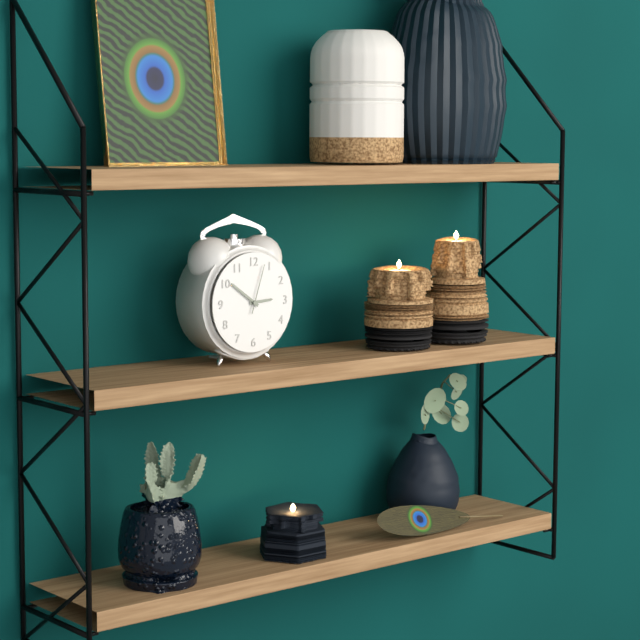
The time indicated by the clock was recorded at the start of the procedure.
2:51
